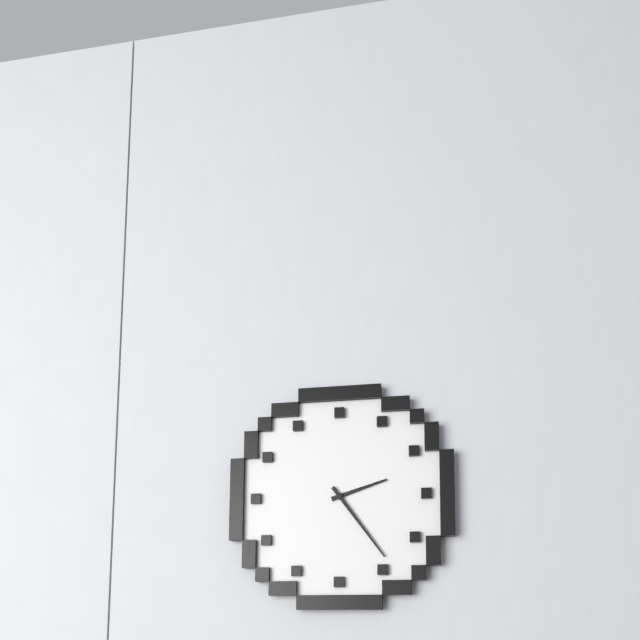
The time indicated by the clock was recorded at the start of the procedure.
2:24
